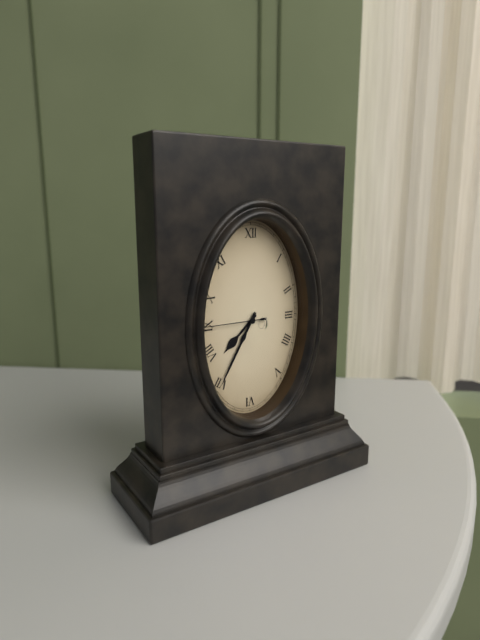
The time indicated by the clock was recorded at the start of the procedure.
7:35:45
